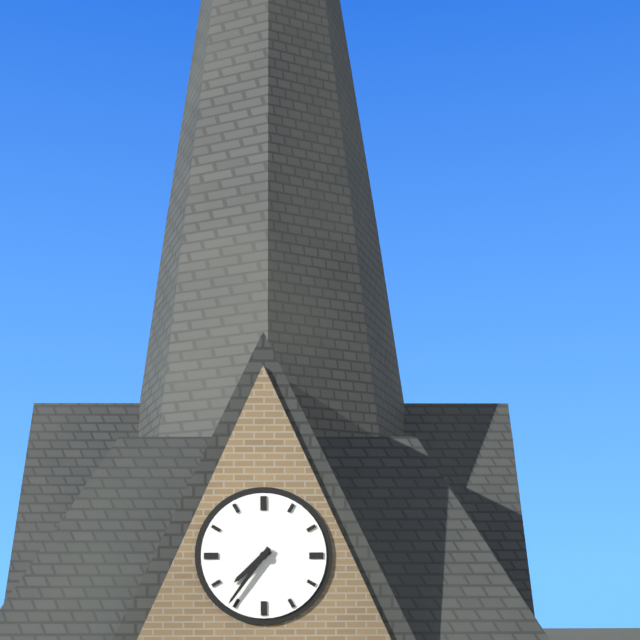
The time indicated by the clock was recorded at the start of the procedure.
7:36
